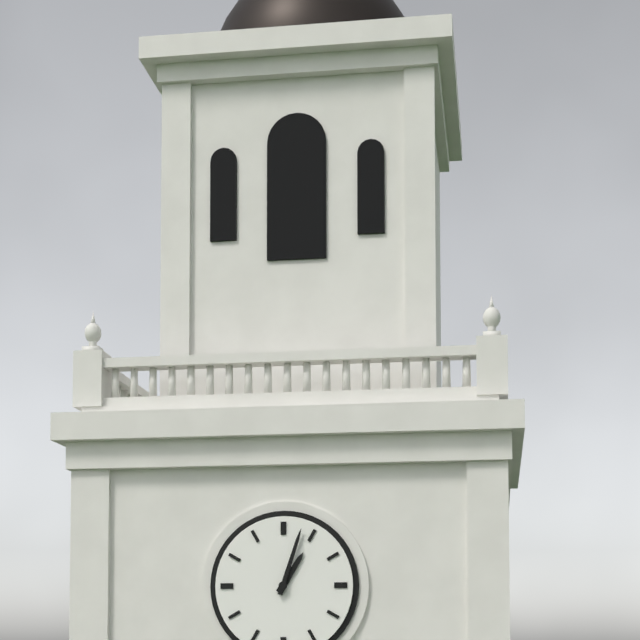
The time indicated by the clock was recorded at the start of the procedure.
1:03
